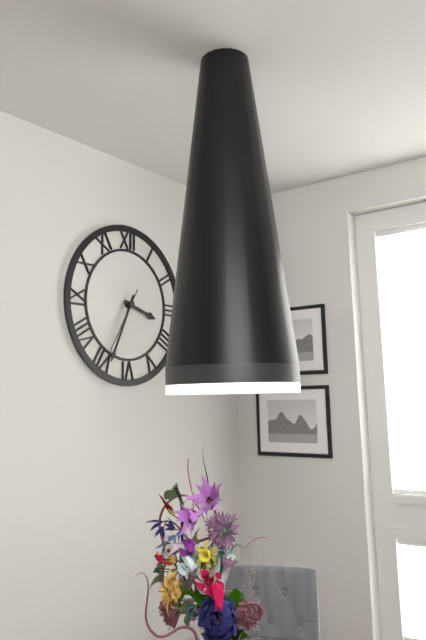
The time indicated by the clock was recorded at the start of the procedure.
3:34:35
